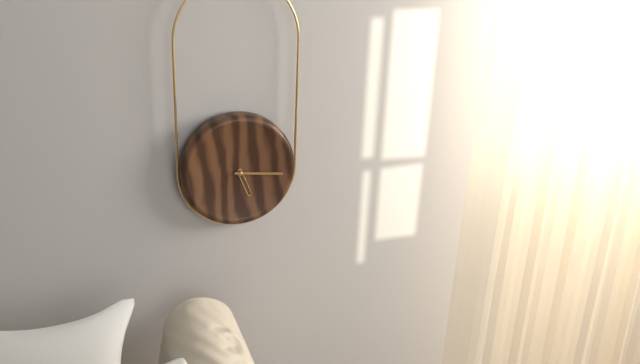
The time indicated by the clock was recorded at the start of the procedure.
5:16
